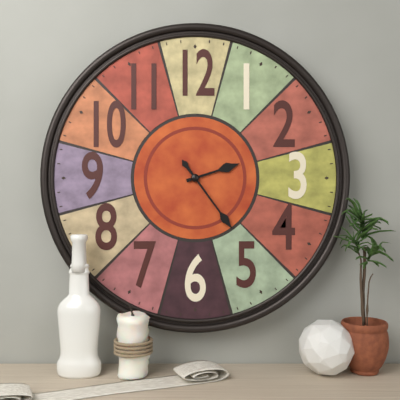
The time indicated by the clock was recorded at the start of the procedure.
2:24
